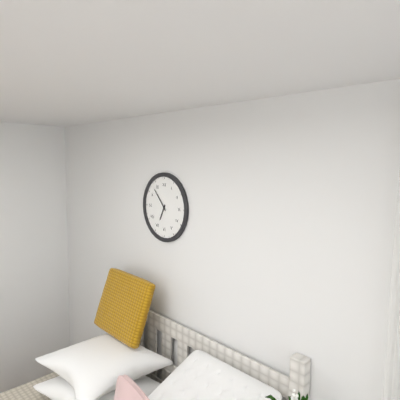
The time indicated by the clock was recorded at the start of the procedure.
6:53
